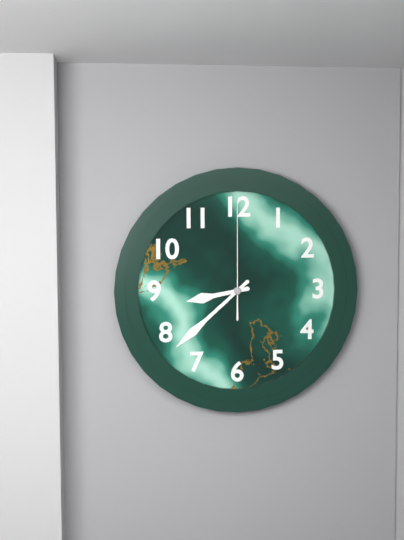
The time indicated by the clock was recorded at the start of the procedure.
8:38:00
